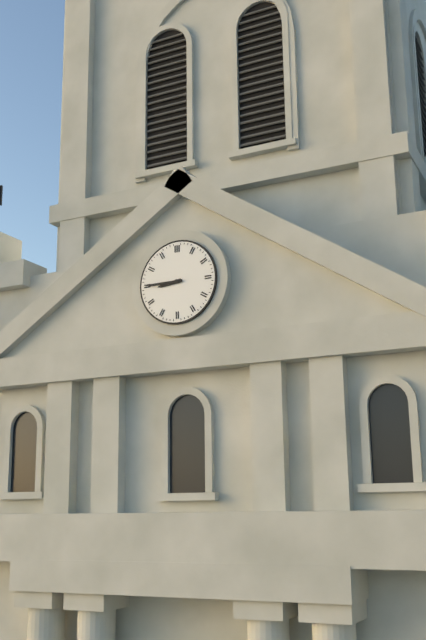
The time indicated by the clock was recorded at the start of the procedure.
8:45
